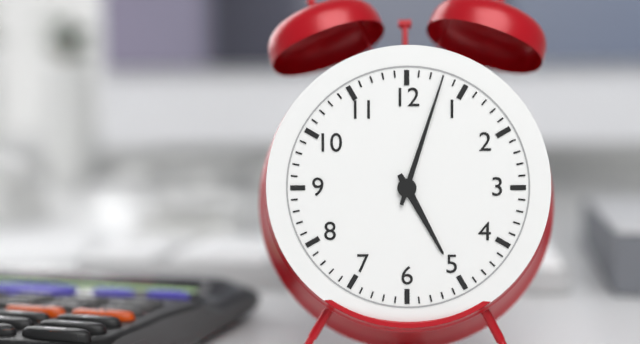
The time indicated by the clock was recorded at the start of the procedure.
5:03
